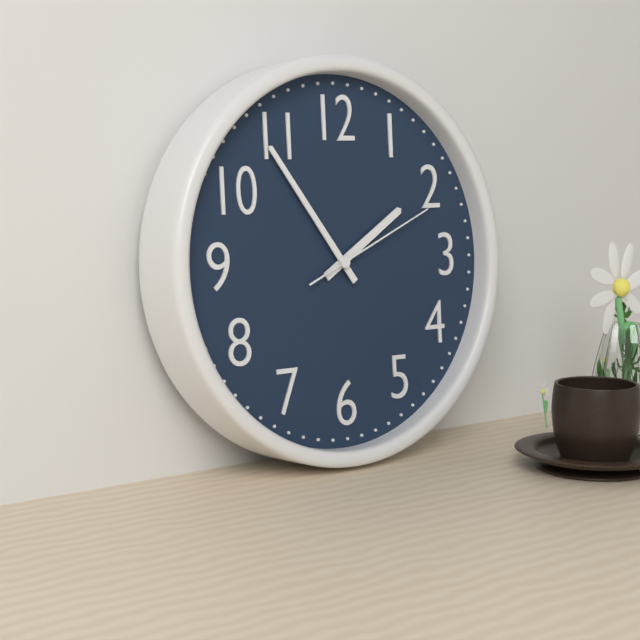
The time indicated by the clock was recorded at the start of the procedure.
1:54:11
